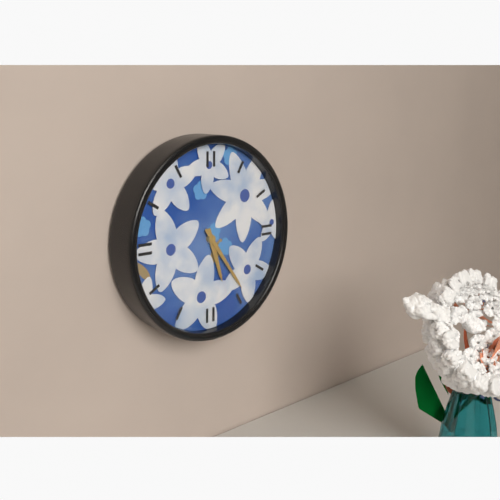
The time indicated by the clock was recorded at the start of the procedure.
5:24
